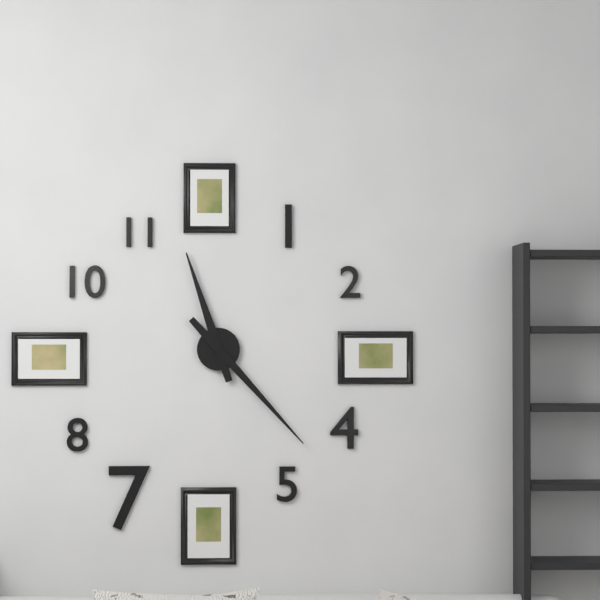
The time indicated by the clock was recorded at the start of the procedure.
11:23
